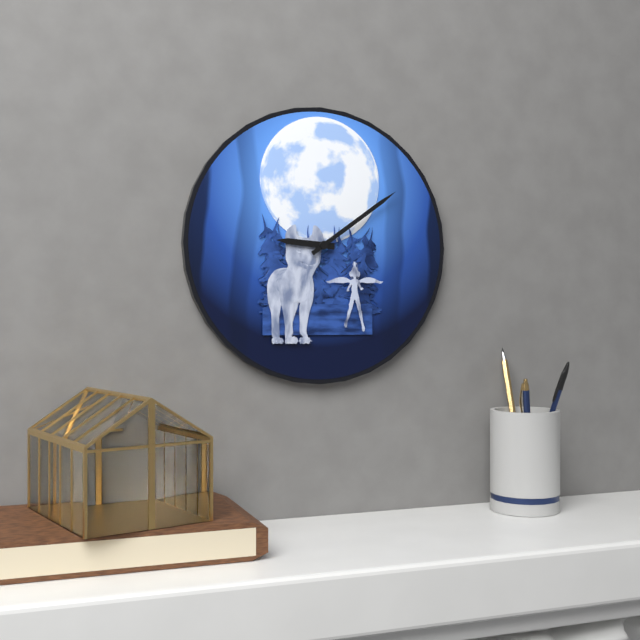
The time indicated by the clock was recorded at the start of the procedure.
9:09
